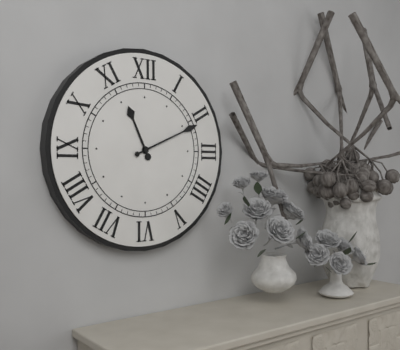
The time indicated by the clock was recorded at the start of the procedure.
11:11
